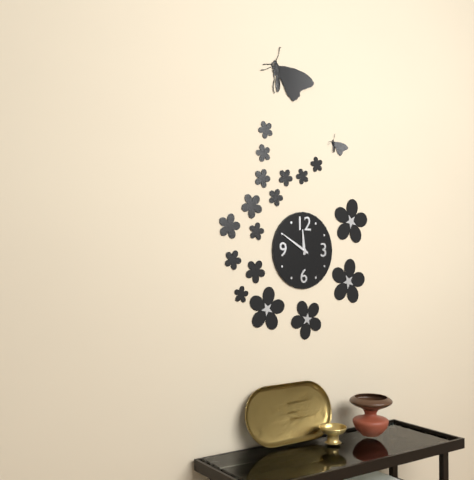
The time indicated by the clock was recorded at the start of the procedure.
11:50
